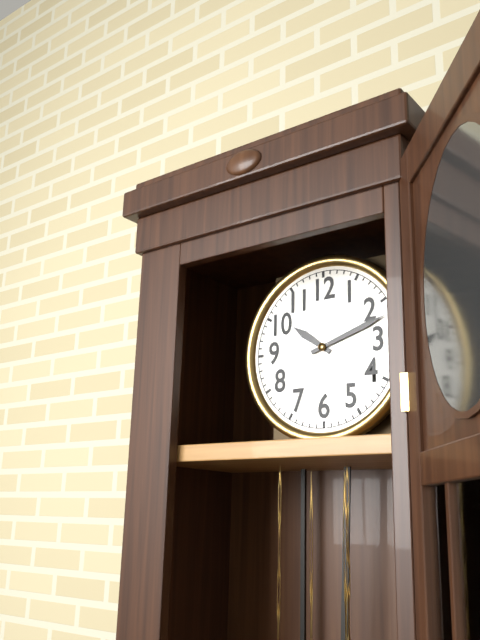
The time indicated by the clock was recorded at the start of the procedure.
10:12
